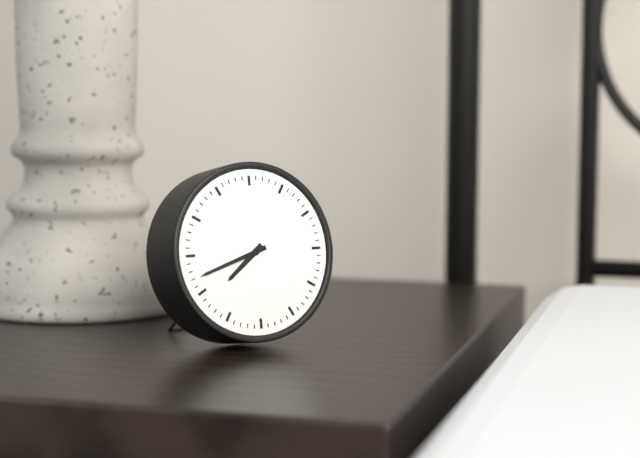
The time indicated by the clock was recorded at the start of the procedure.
7:42
